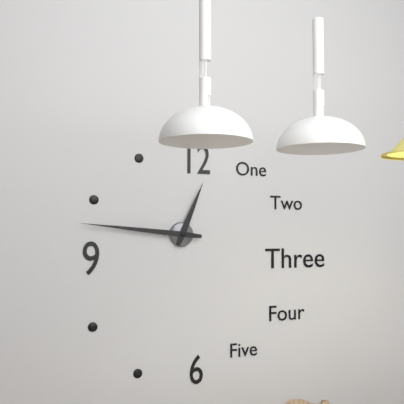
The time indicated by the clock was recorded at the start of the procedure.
12:46
